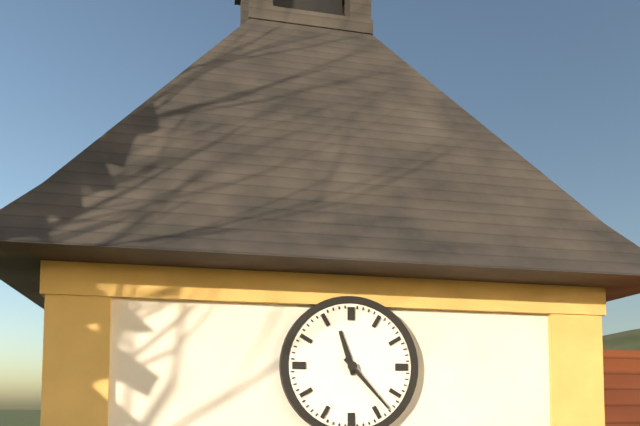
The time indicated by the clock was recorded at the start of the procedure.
11:23
